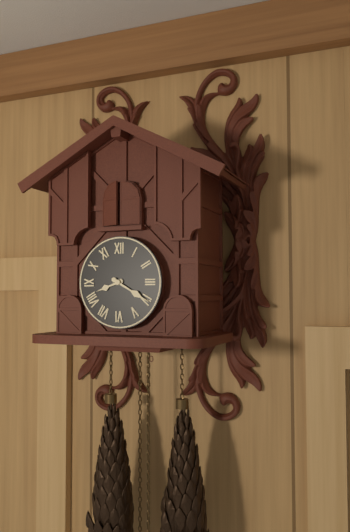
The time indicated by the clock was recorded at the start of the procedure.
8:20
